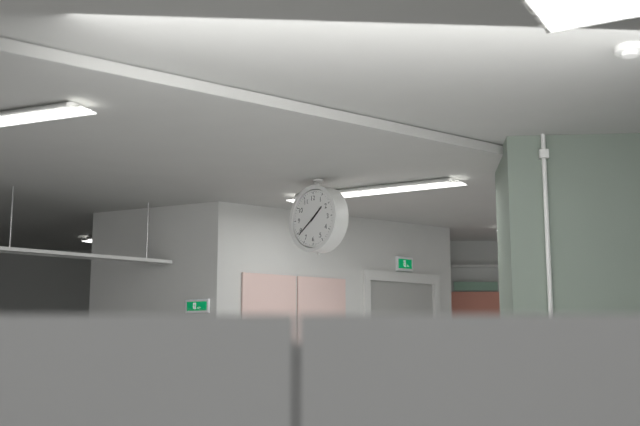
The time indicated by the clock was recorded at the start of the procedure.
1:39
